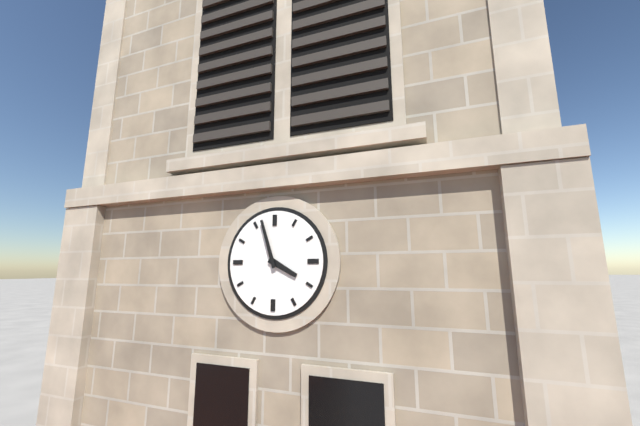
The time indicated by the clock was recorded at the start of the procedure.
3:57
